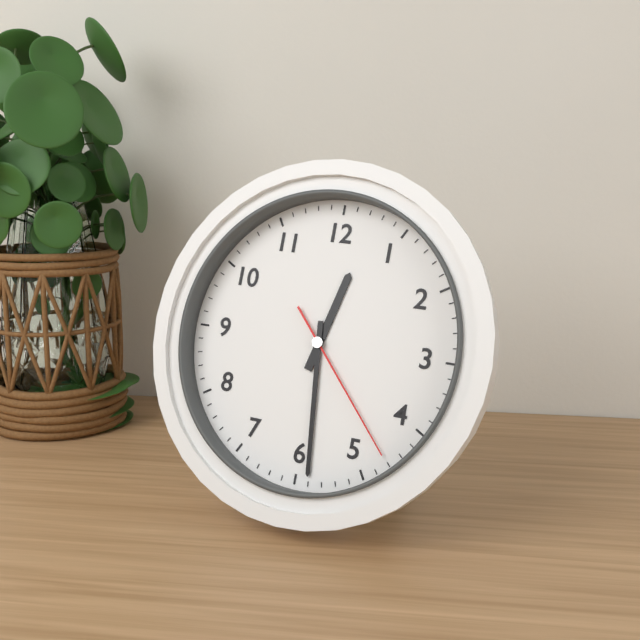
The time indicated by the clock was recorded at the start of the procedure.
12:29:23
